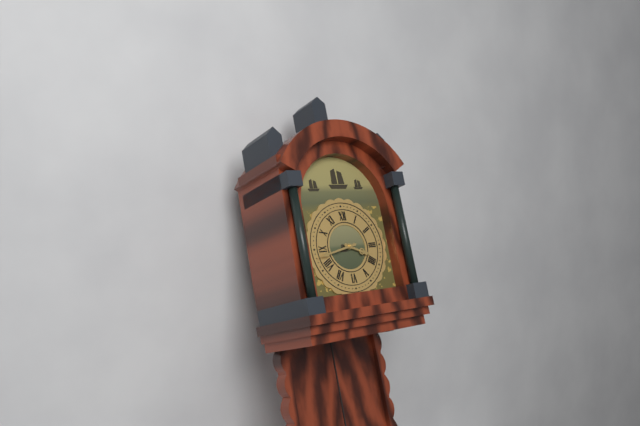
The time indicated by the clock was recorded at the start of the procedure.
3:43
